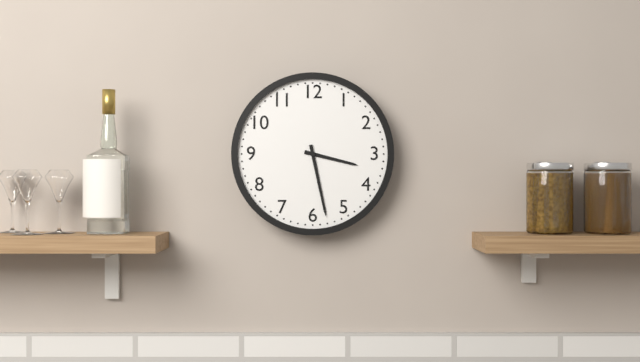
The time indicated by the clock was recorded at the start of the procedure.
3:28
